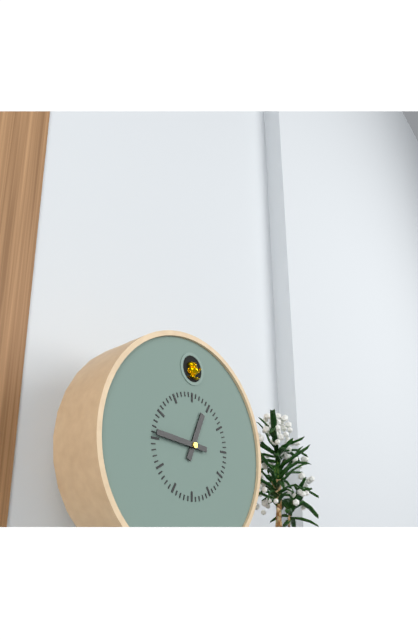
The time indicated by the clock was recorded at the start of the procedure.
12:46
